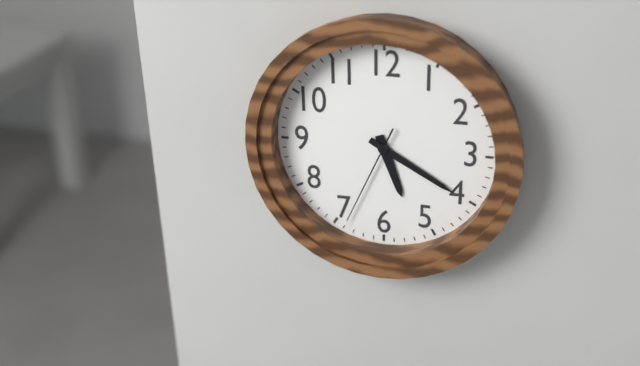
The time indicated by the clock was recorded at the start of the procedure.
5:20:34
